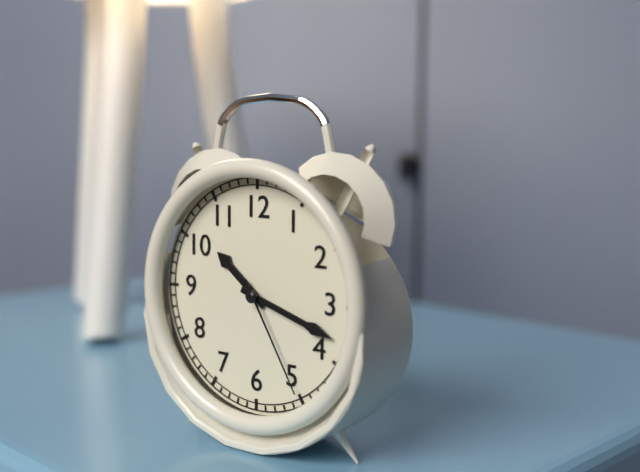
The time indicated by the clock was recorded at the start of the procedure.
10:18:25
